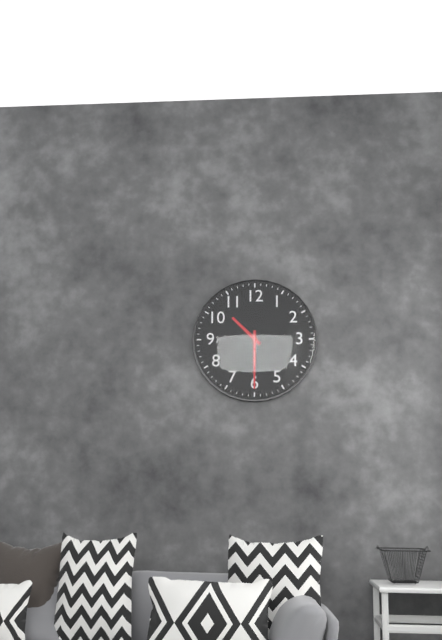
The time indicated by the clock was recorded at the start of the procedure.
10:30
